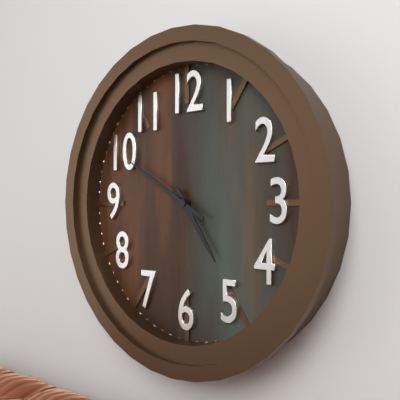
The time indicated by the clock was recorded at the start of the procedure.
4:50
